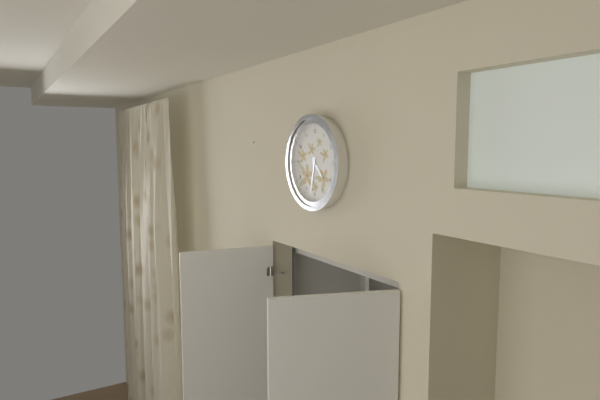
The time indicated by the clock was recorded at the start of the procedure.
4:32
